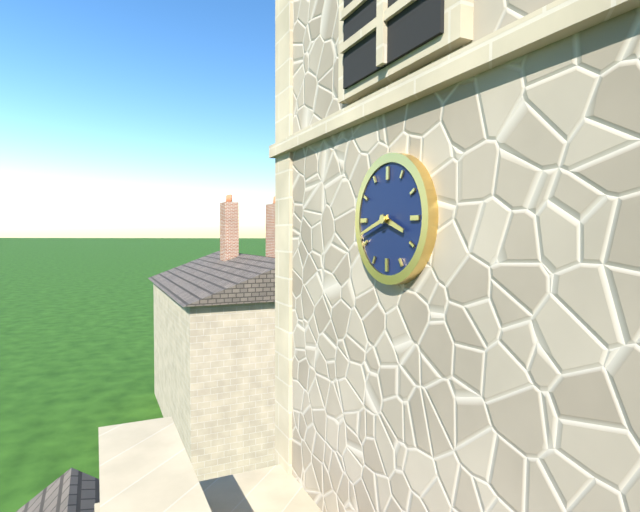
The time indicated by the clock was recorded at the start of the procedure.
3:42
